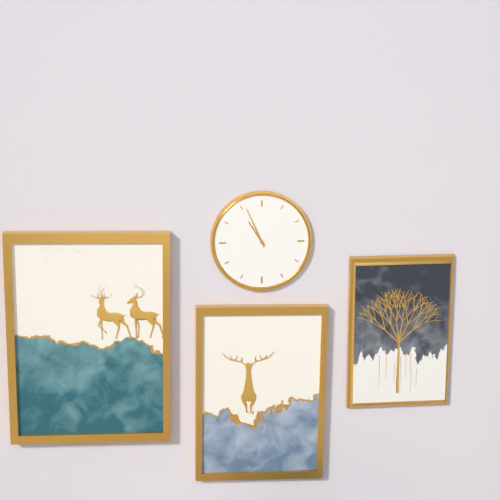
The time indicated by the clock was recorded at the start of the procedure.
10:56
